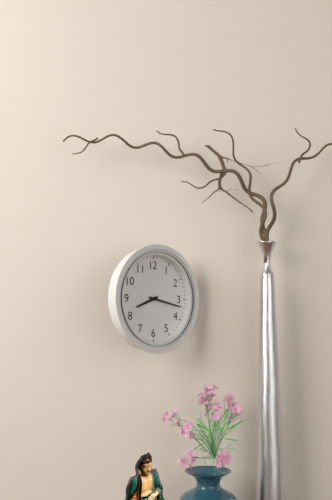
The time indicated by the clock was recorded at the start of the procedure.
8:17
